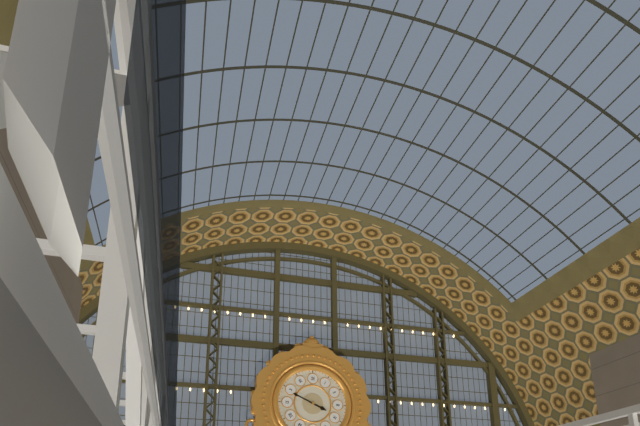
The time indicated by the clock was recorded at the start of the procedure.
3:49
